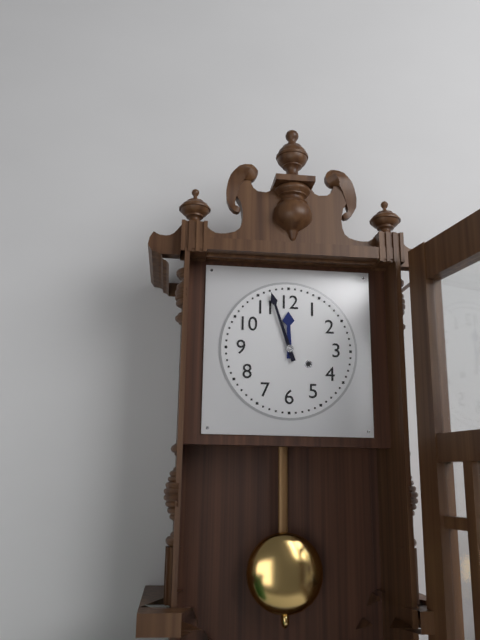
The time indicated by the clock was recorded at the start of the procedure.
11:57
